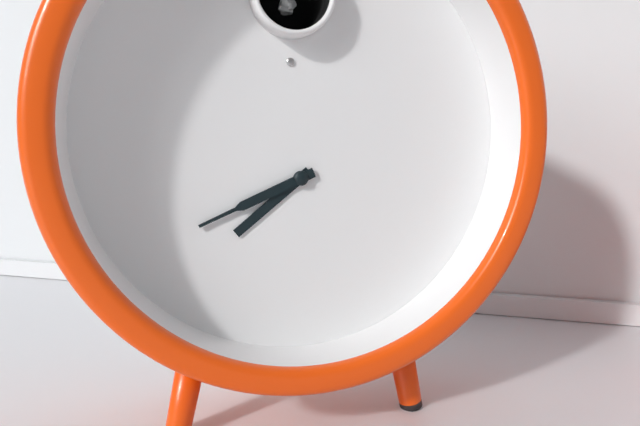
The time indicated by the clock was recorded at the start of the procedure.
7:41
